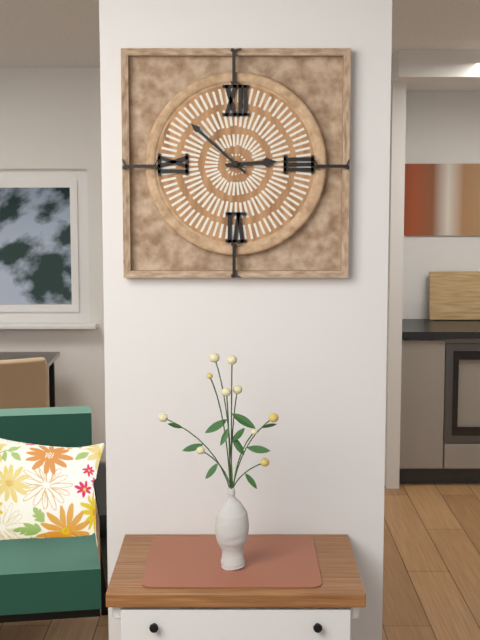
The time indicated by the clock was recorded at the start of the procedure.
2:52
